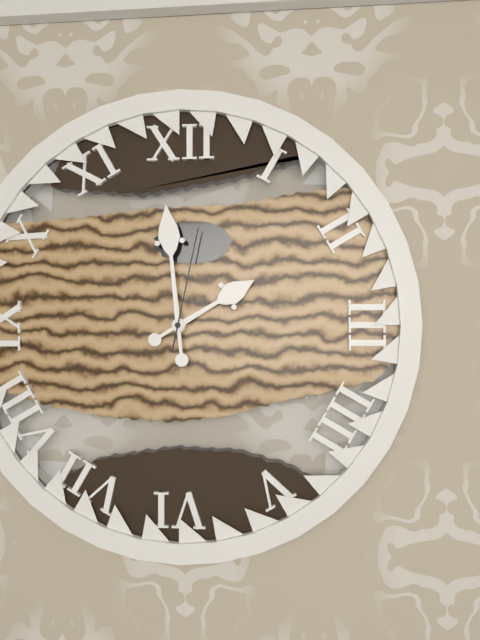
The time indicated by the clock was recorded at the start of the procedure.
1:59:02
